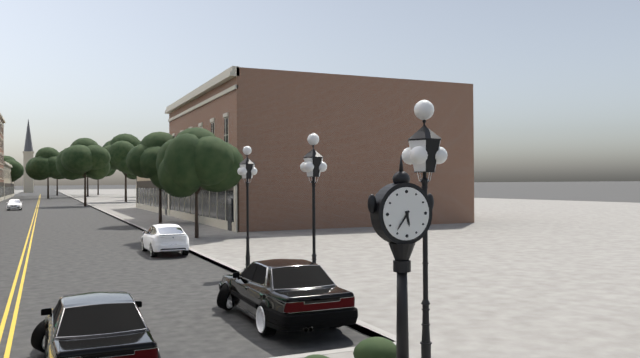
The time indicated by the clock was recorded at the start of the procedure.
5:36
